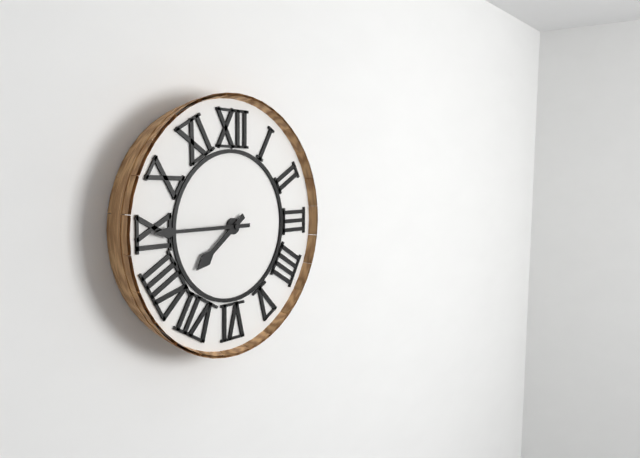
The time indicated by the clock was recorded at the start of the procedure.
7:45
